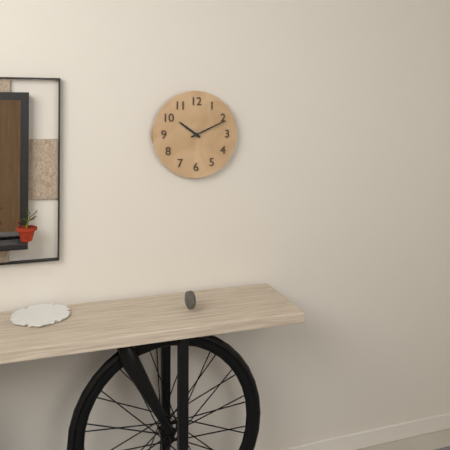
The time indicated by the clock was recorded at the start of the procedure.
10:11
